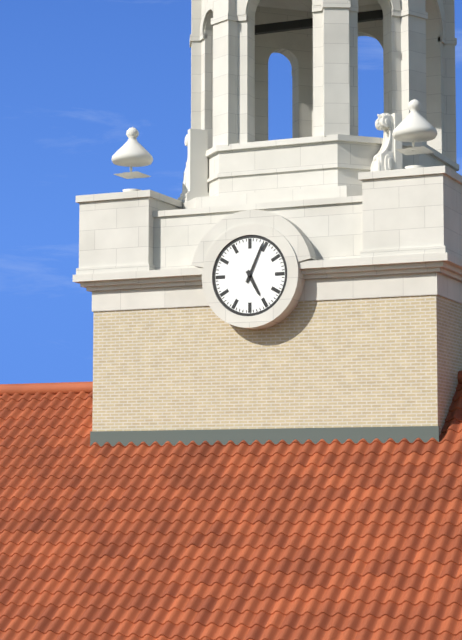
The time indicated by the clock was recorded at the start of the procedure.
5:04
